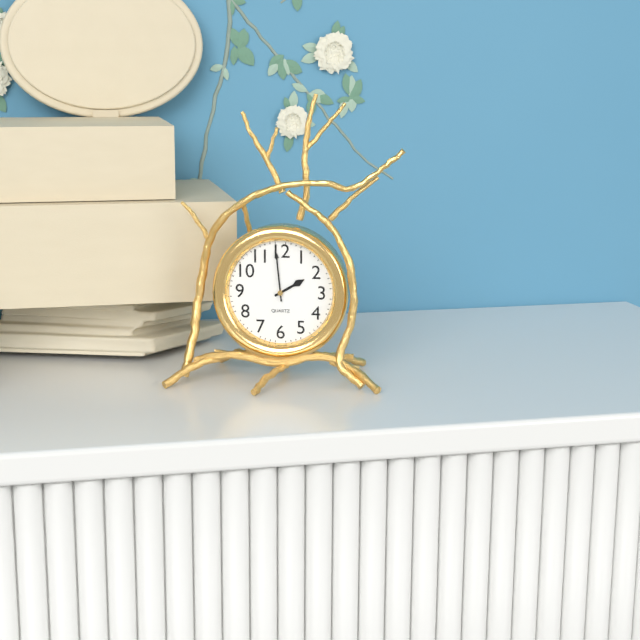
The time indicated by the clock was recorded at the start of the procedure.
1:59
